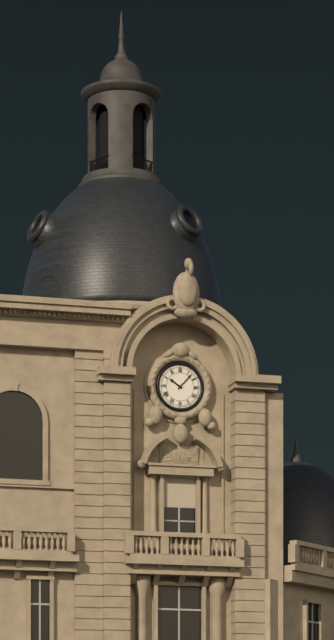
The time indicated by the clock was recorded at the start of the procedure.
10:07
